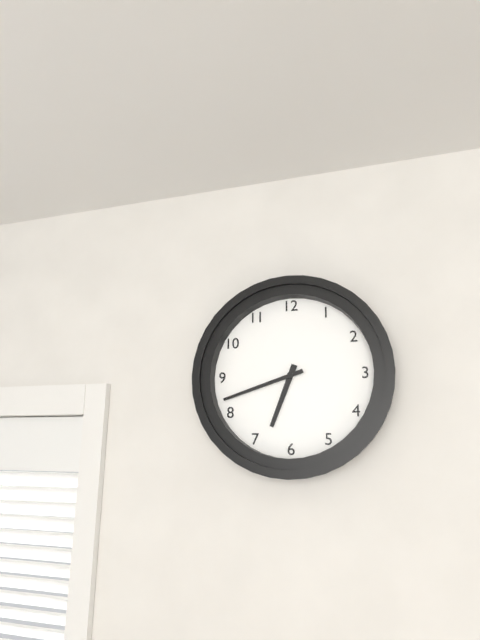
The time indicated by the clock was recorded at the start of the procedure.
6:42
